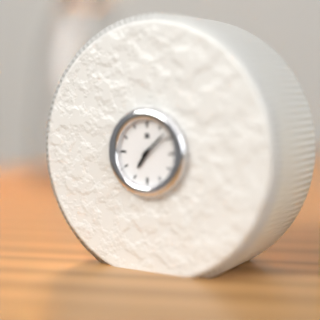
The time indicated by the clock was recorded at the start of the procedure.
7:08
